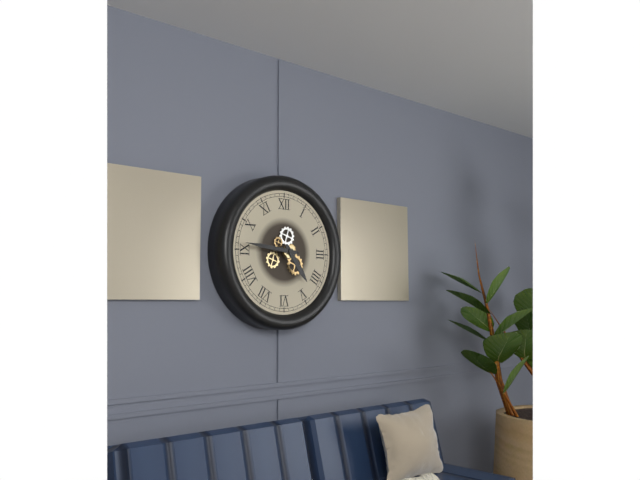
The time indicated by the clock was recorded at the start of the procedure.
4:46
